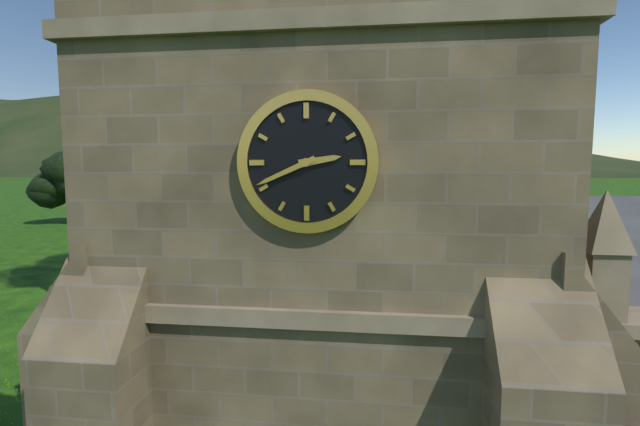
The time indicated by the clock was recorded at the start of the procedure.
2:41
